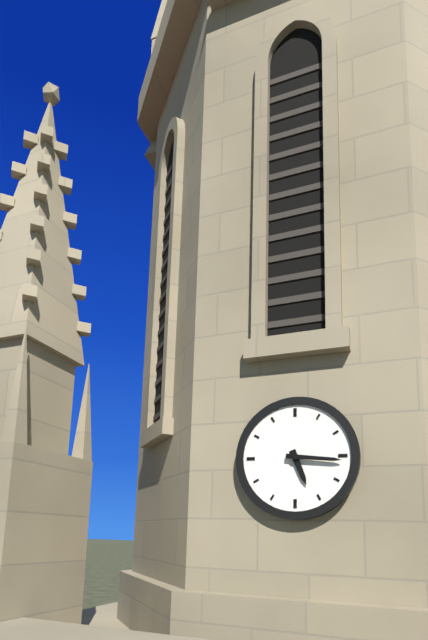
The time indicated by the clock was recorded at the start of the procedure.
5:16
